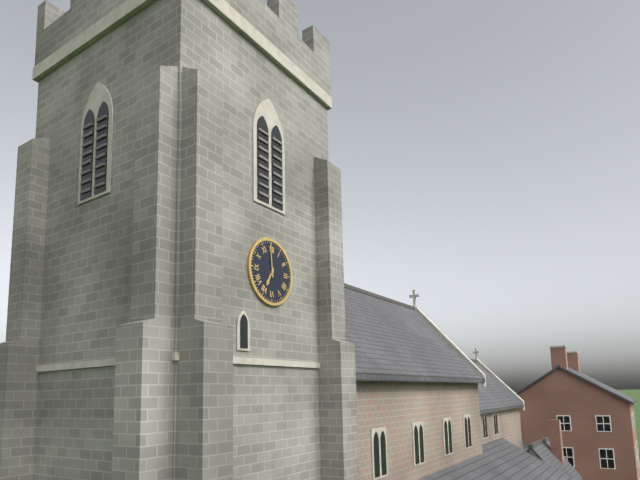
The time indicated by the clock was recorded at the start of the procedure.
6:59
